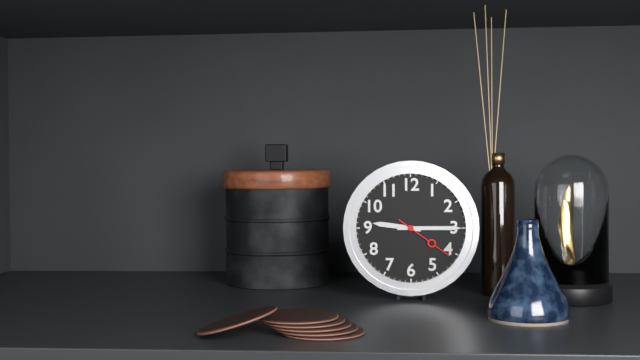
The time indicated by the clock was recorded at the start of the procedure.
9:15:21
